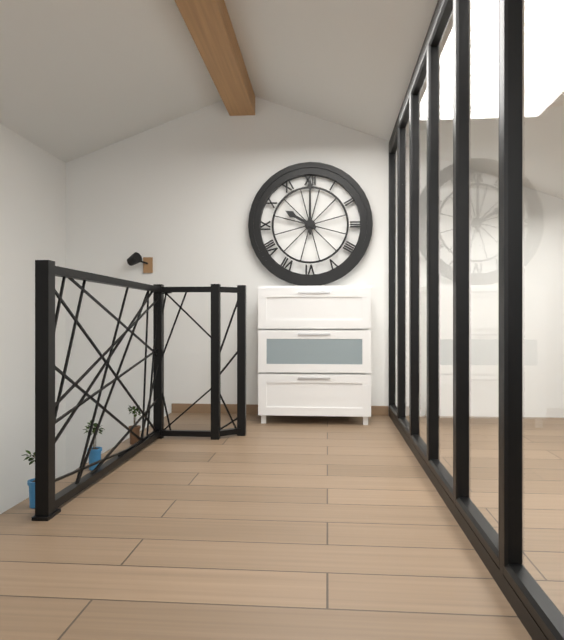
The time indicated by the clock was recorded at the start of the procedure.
10:00
